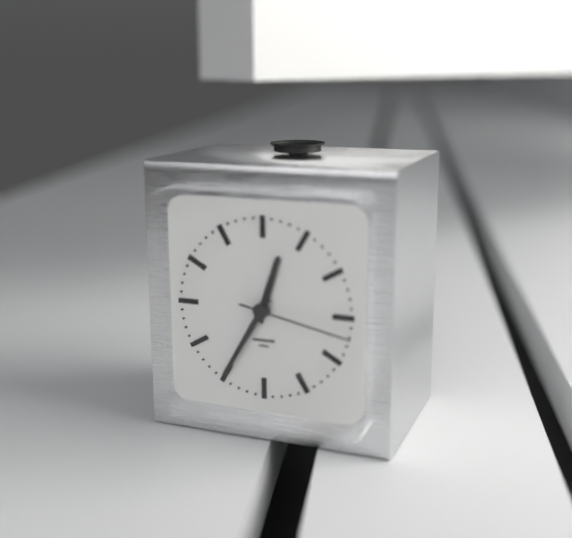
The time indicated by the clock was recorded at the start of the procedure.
12:35:17
